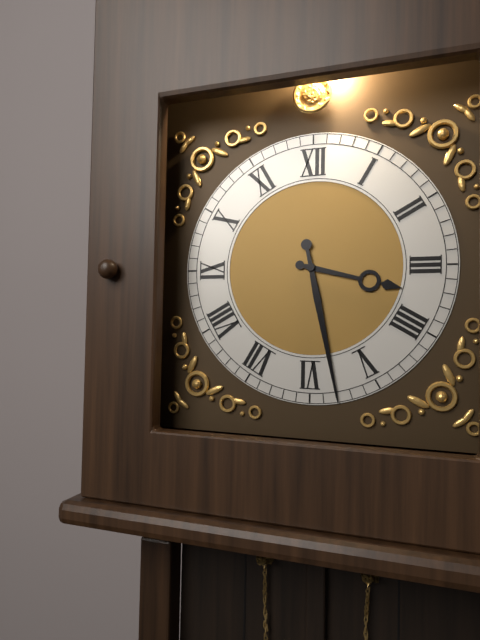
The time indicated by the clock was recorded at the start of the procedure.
3:28
